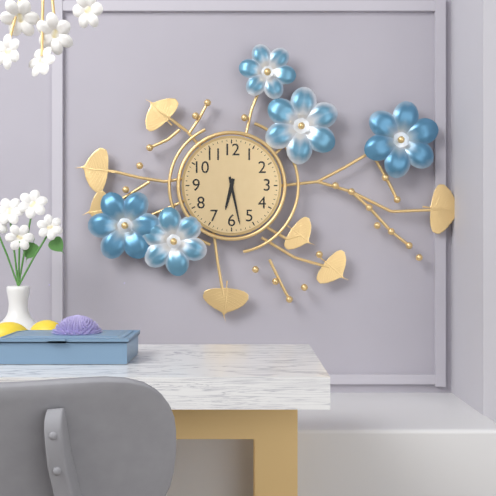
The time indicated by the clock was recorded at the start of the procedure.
6:28
